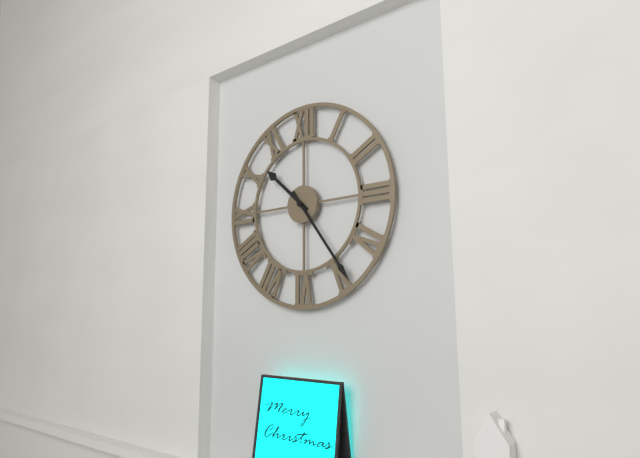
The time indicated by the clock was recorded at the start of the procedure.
10:24
